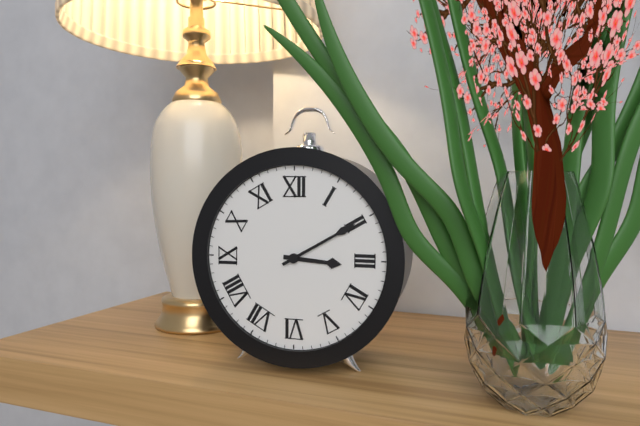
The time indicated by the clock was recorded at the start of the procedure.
3:10
